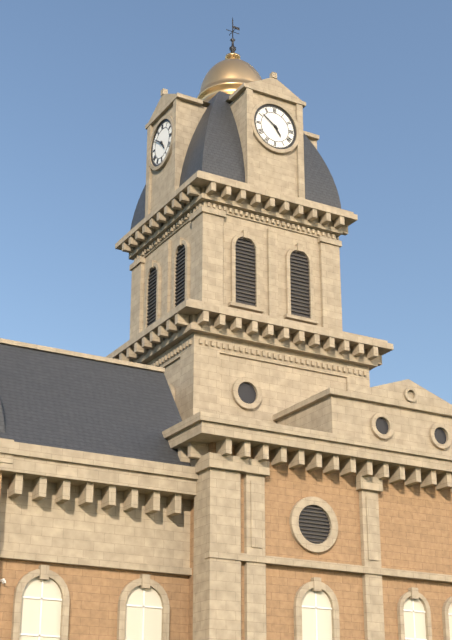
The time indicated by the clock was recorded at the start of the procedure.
4:51
